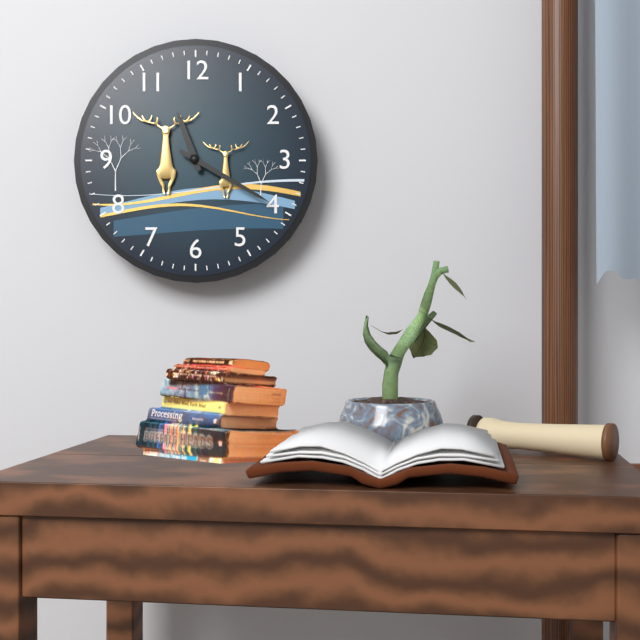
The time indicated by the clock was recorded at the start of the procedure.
11:20
